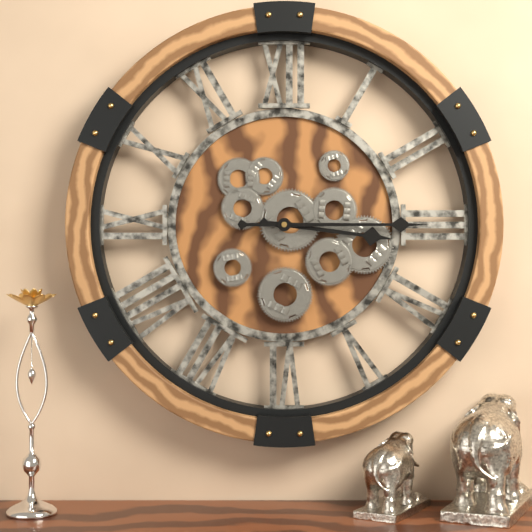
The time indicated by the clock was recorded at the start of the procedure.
3:15
